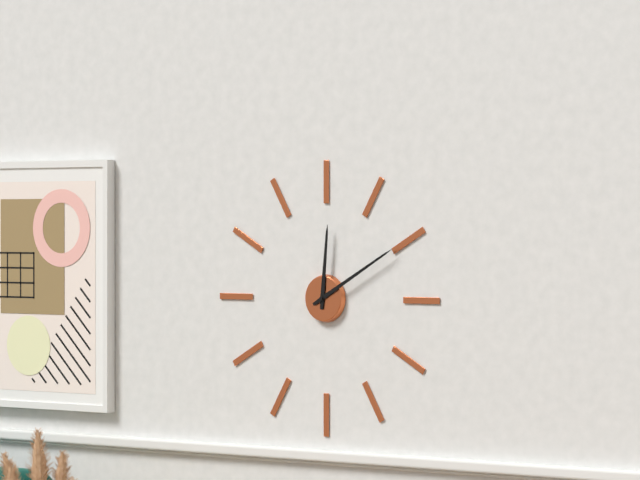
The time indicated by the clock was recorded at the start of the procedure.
12:10
